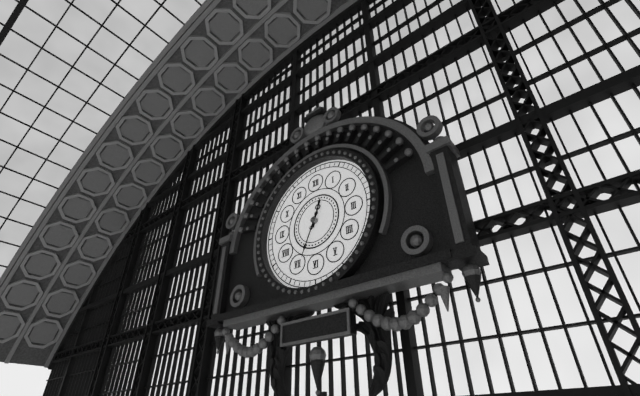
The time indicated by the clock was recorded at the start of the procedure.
12:34
